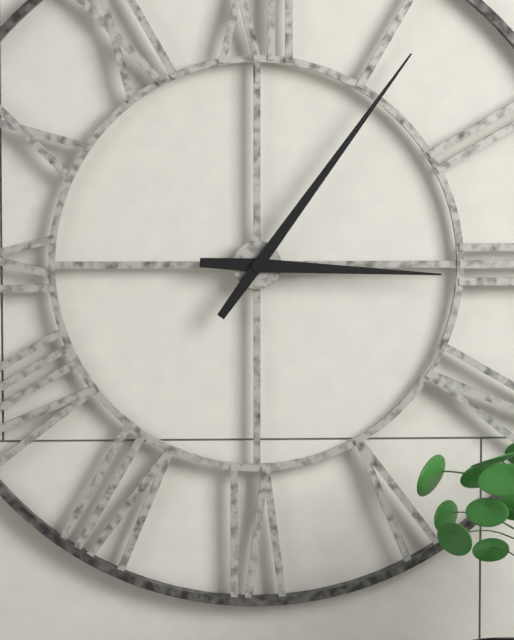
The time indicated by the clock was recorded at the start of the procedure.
3:06
